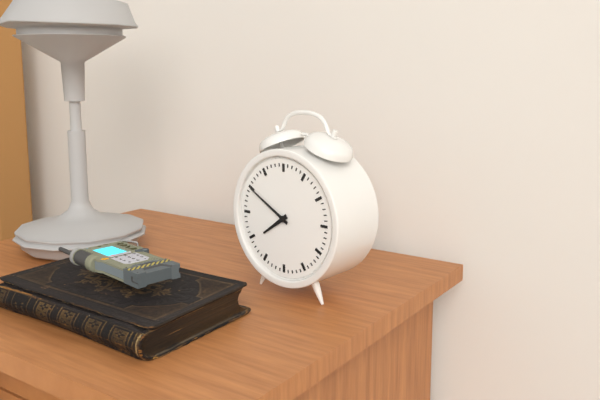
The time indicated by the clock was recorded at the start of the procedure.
7:50
